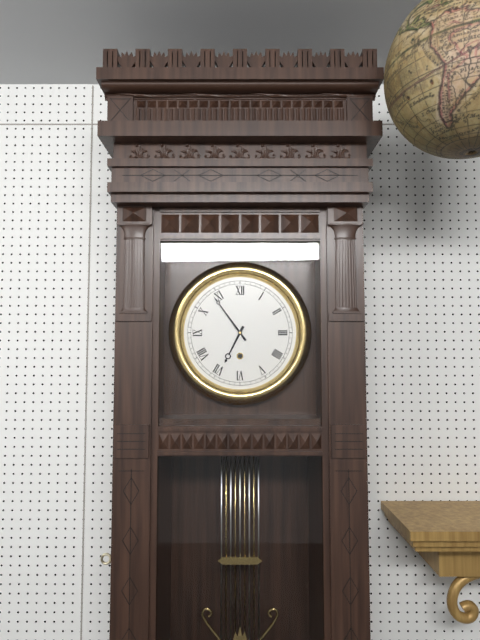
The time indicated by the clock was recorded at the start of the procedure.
6:54
